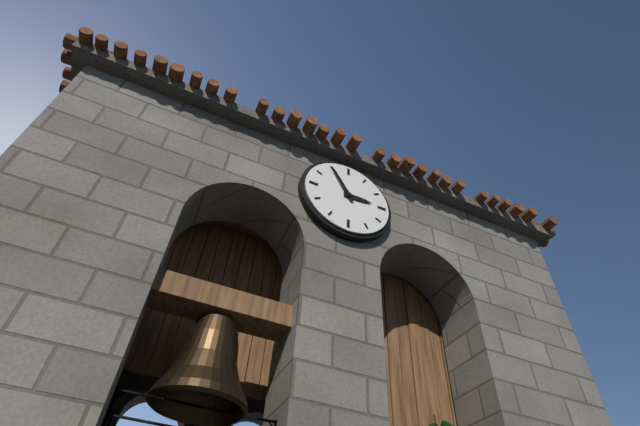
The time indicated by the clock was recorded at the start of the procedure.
2:55
